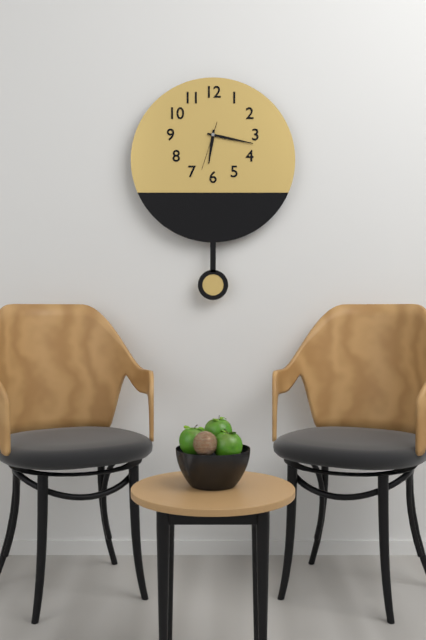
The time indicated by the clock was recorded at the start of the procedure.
6:17
